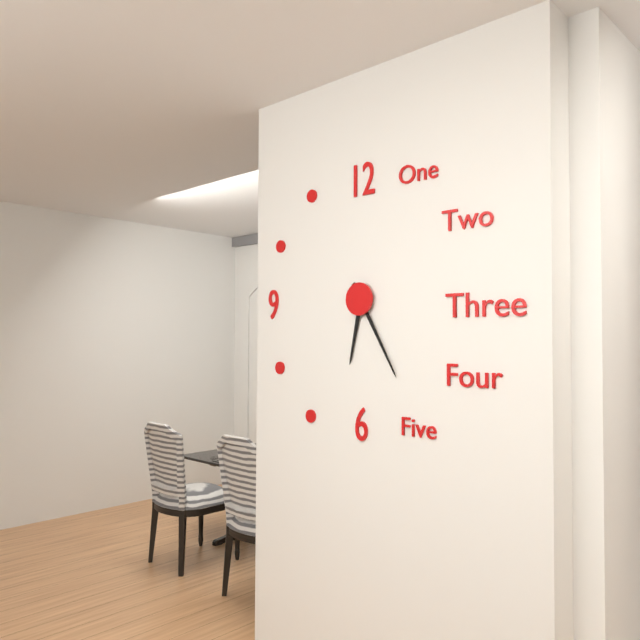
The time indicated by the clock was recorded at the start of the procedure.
6:25
